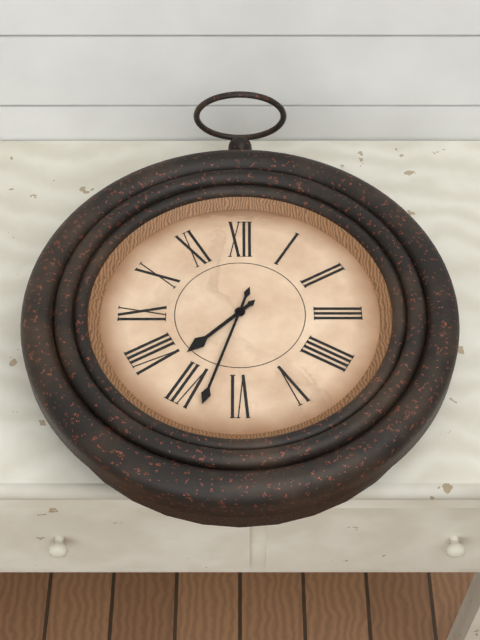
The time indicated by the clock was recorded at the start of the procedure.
7:33
